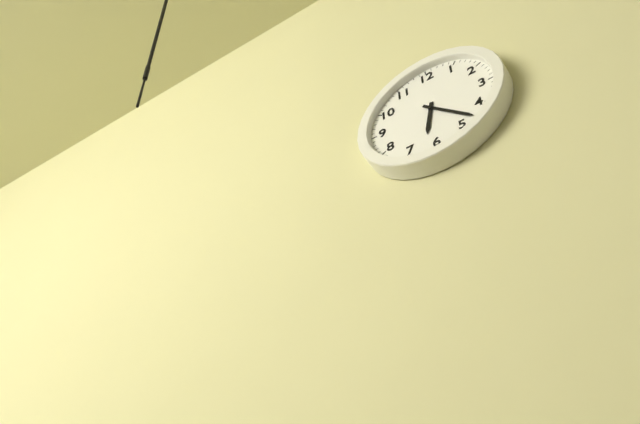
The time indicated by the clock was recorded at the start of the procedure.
6:23
